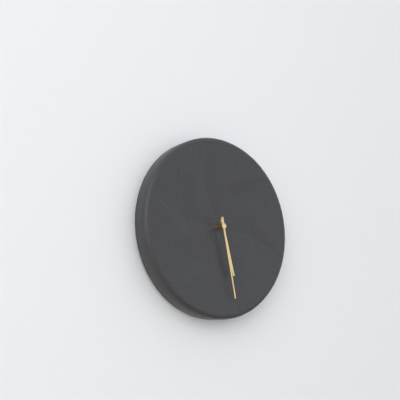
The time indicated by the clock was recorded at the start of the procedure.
5:28
